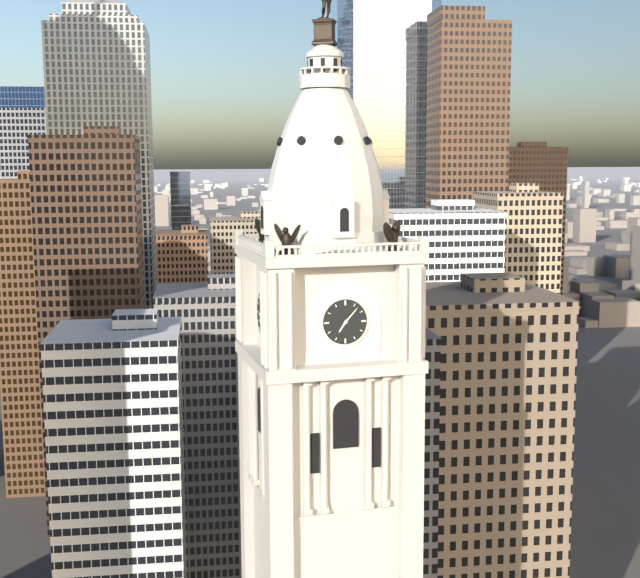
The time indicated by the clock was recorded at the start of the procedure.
7:07
